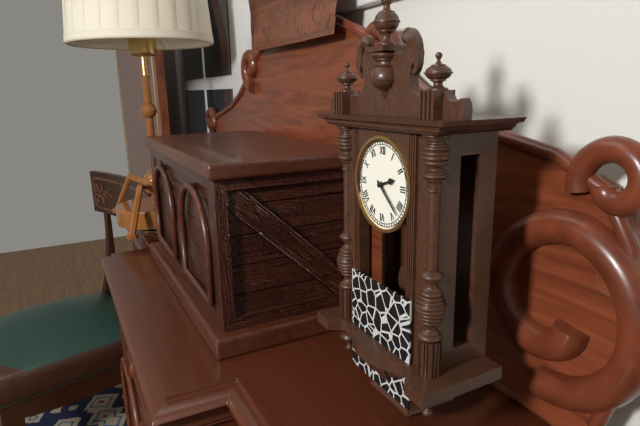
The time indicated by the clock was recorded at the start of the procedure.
2:22
